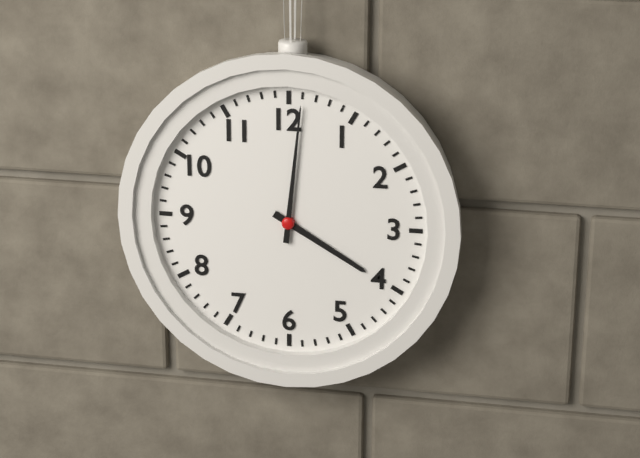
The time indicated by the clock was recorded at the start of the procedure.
4:01
